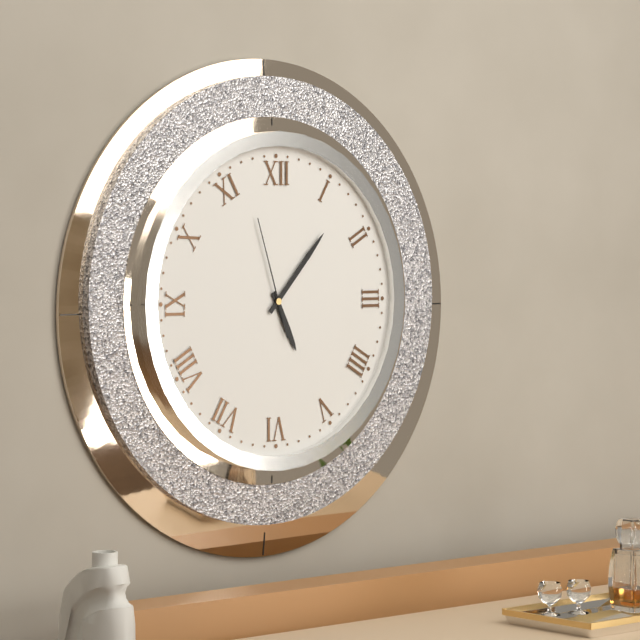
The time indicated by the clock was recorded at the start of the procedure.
5:07:57
